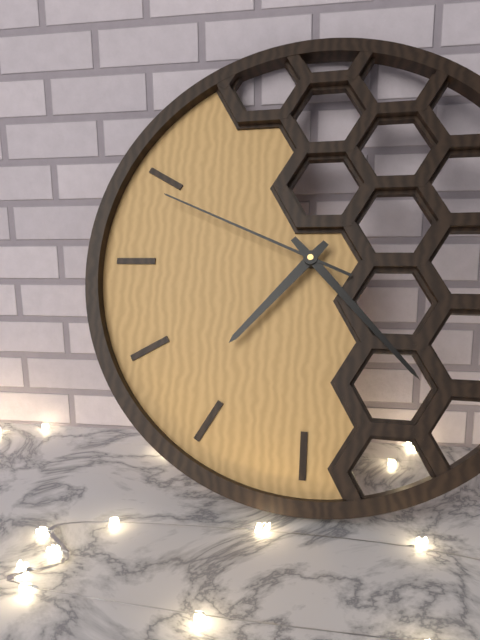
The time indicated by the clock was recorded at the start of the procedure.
7:23:49
